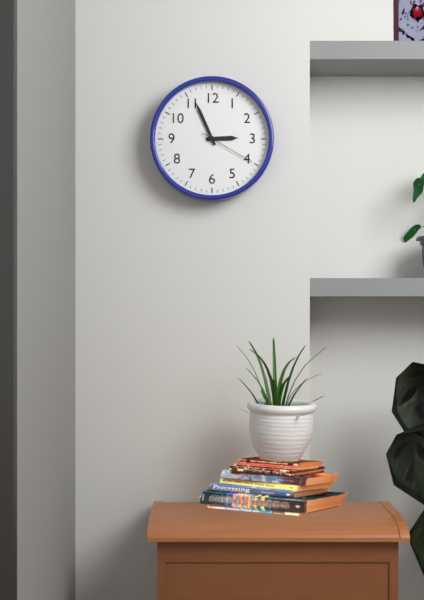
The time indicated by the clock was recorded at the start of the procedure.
2:56:20
